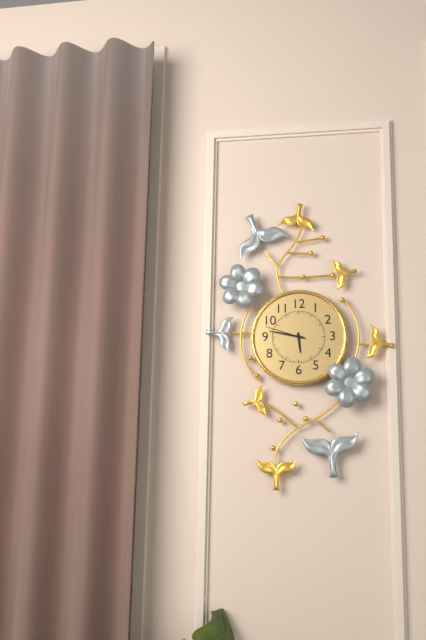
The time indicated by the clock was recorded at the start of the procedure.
5:47
